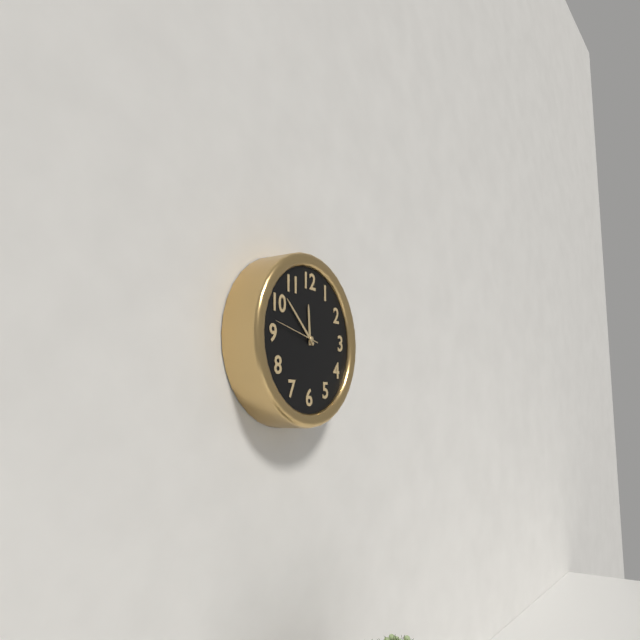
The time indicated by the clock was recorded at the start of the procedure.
11:52:47
